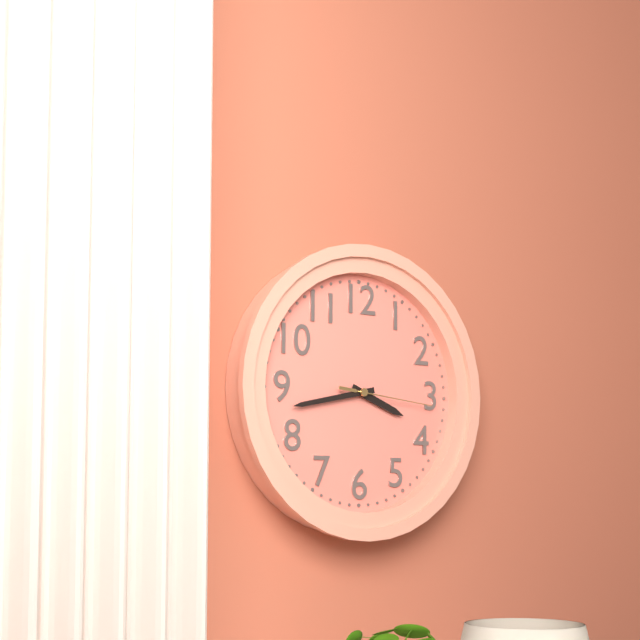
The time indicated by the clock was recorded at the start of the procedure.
3:43:16
